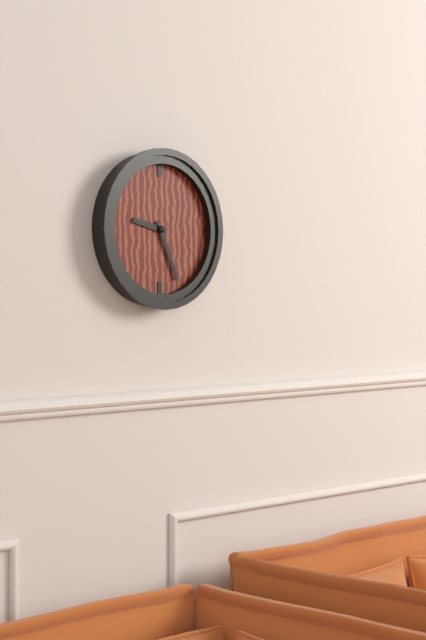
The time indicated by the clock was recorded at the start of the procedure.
9:26
